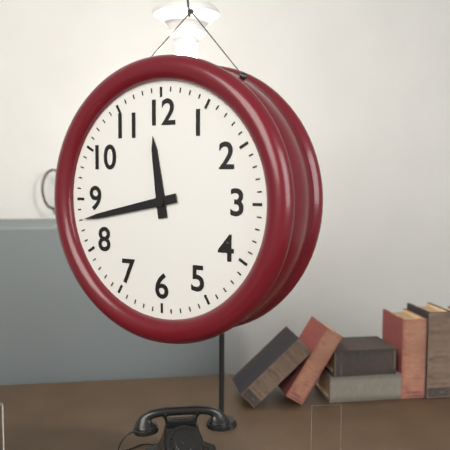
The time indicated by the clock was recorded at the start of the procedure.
11:43
